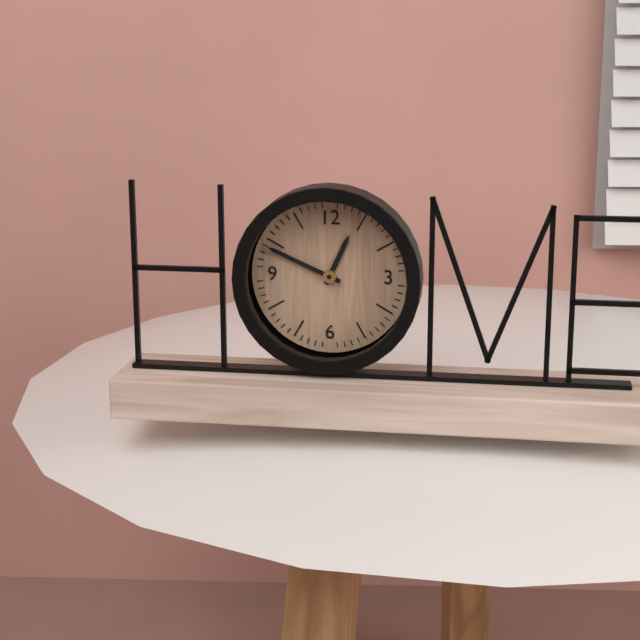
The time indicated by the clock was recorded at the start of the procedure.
12:49
